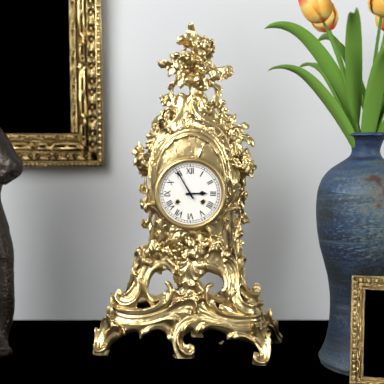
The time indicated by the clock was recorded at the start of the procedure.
2:55
